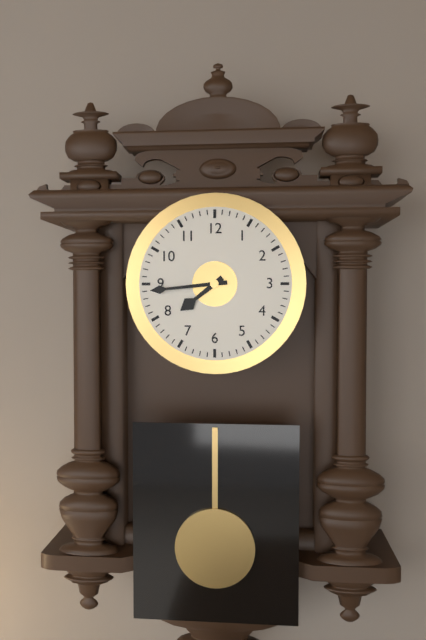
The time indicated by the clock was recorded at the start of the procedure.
7:44
